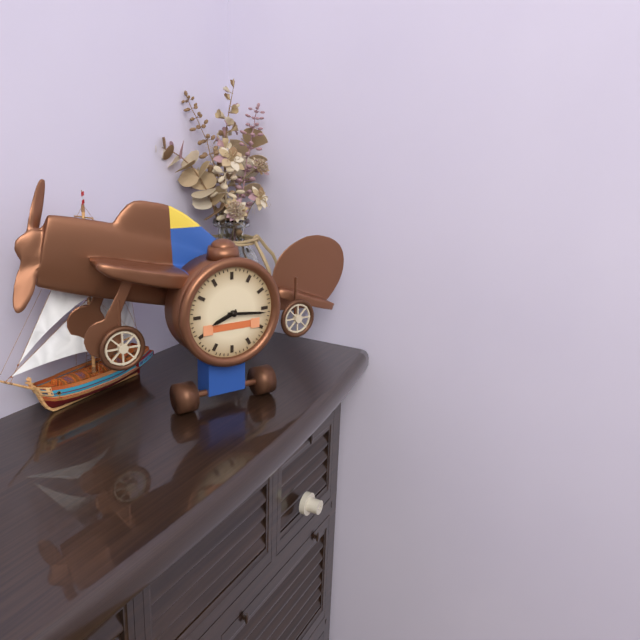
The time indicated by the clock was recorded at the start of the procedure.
8:16
